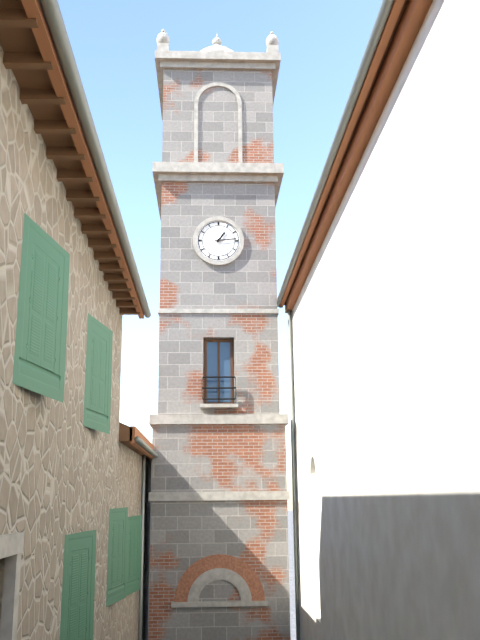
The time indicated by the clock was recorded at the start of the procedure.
1:14
